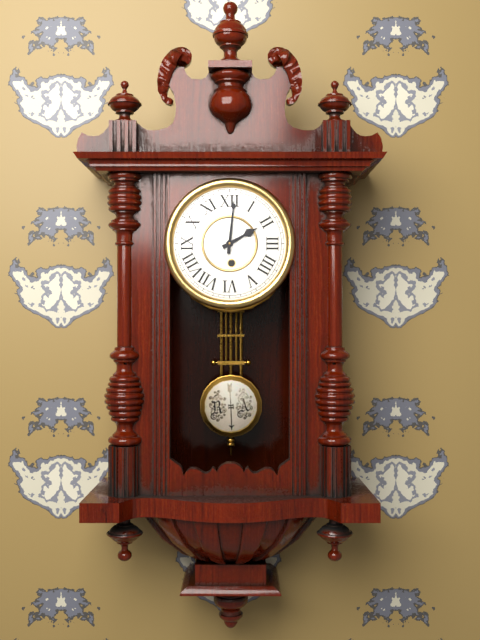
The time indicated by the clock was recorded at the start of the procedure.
2:01
